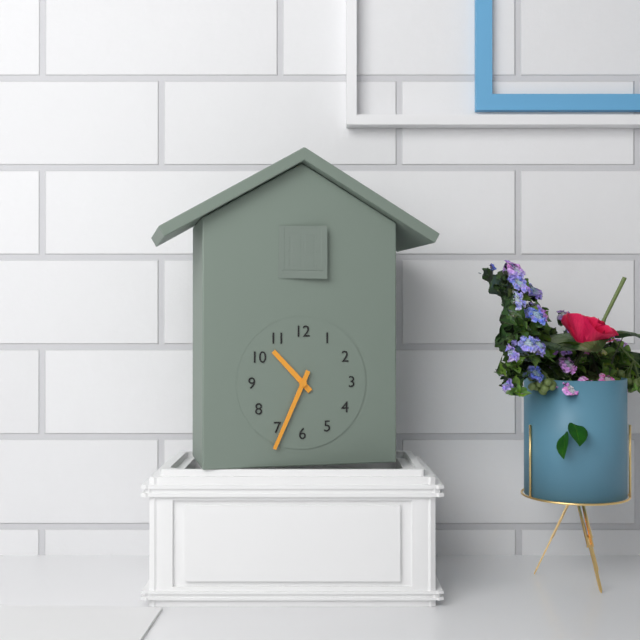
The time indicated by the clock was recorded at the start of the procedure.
10:34
